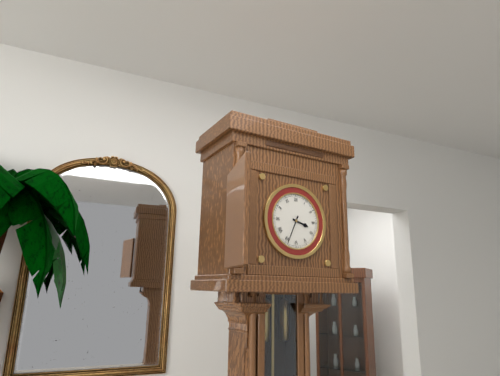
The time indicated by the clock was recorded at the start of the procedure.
3:34
